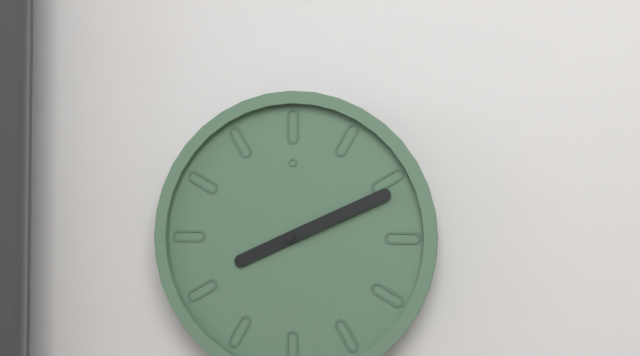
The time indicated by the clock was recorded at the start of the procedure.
8:11
